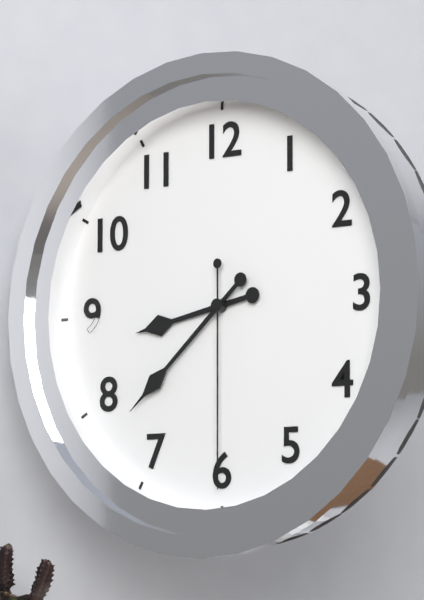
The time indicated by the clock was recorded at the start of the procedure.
8:38:30
